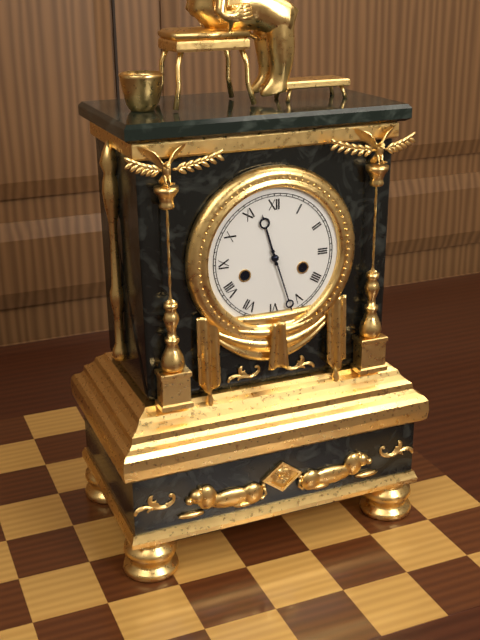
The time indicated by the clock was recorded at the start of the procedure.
11:27
